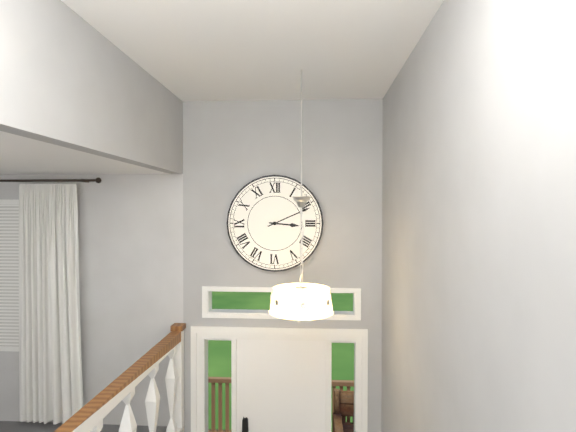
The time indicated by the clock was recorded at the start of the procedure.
3:11
